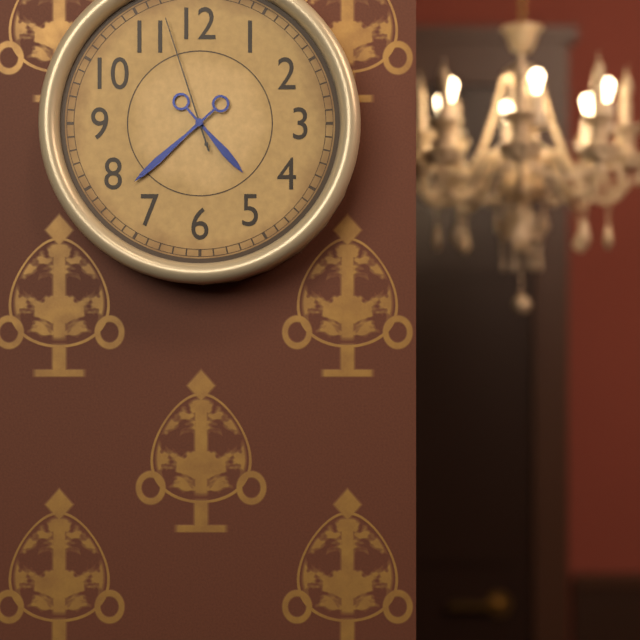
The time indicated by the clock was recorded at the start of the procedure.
4:38:57
